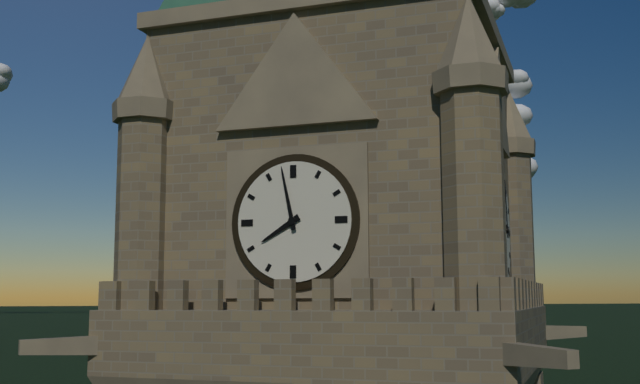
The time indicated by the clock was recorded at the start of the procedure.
7:58
